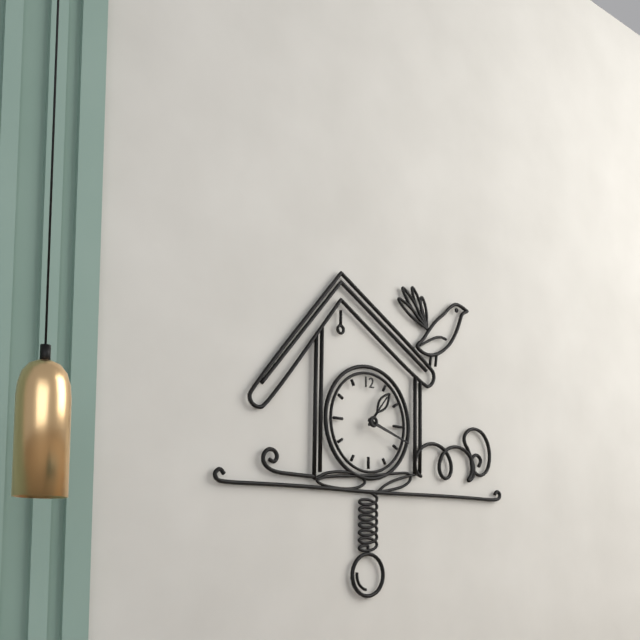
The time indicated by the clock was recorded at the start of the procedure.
1:18
